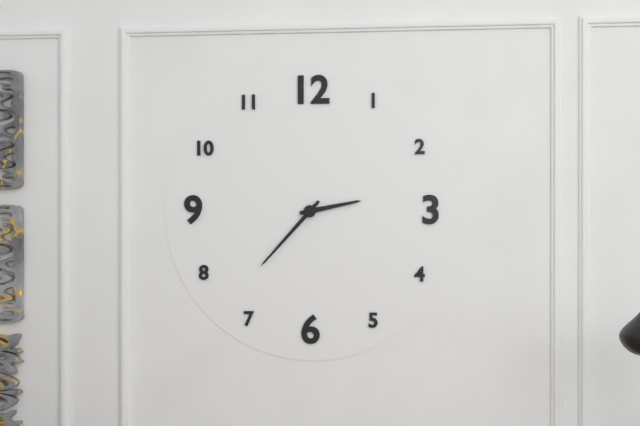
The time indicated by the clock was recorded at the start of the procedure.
2:37
